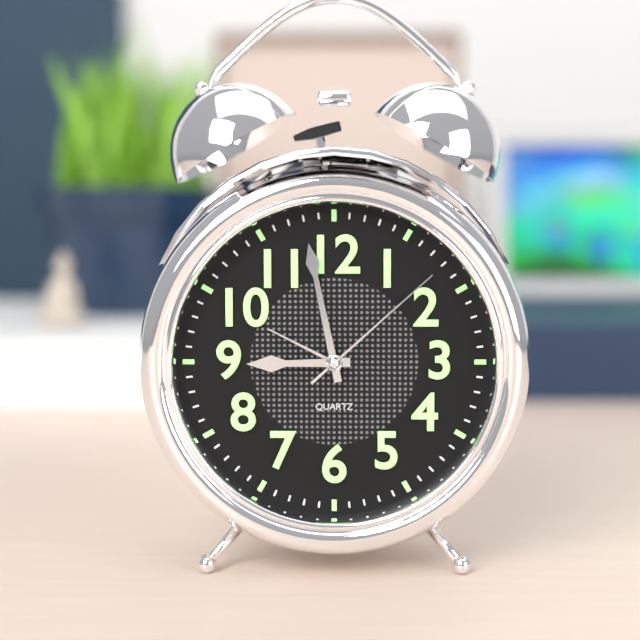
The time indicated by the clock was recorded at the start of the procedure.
8:58:08
